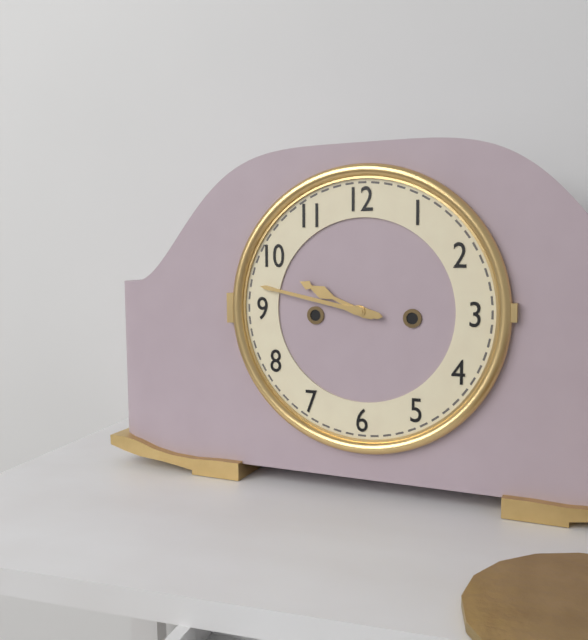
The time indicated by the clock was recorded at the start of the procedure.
9:47
